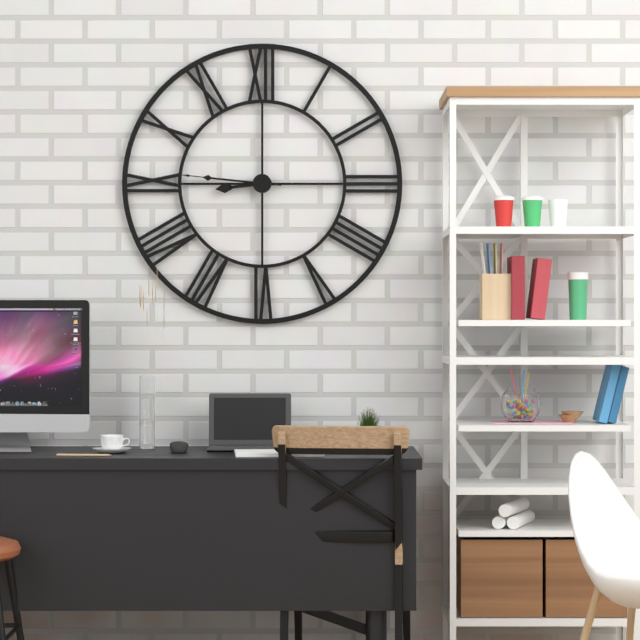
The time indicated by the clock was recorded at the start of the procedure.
8:46:46
